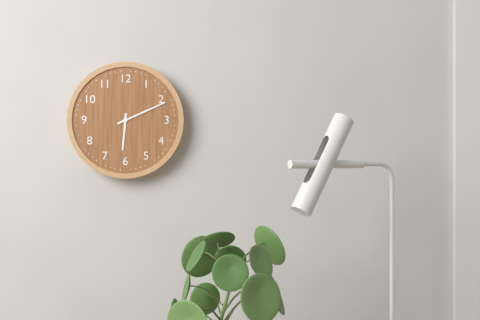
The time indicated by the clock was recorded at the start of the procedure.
6:11
